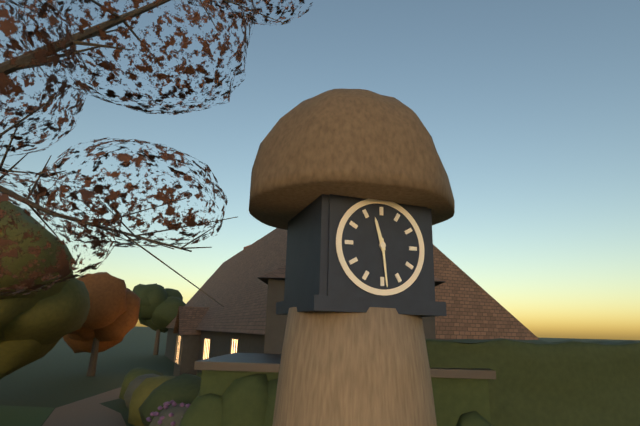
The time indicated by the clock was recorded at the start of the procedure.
11:29
